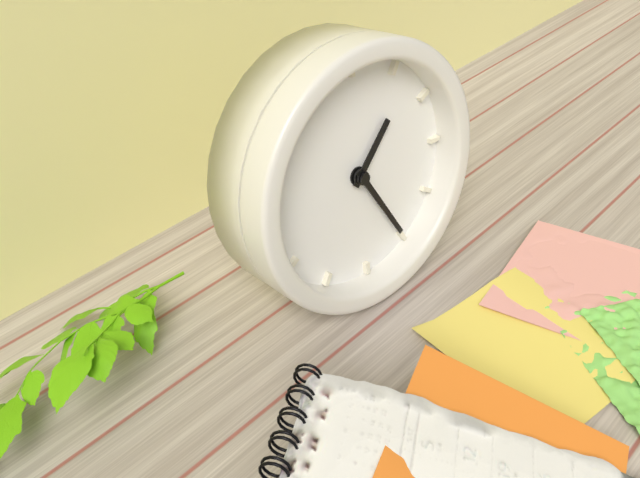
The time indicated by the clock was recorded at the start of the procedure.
1:25
